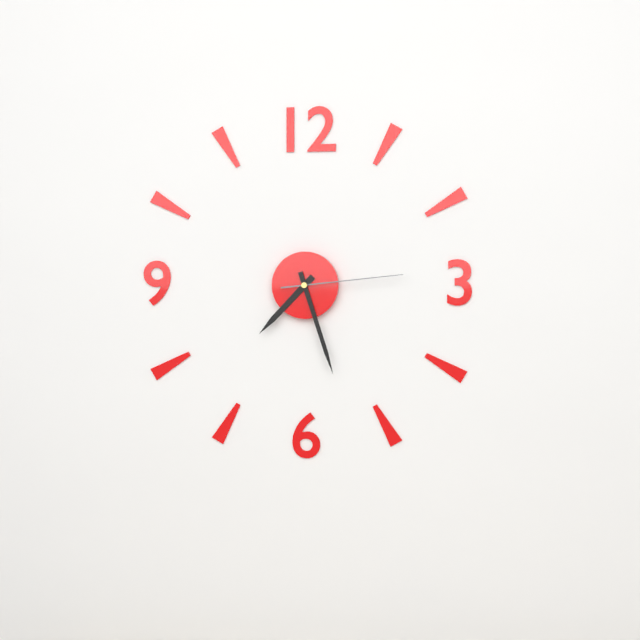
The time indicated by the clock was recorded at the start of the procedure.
7:27:14
